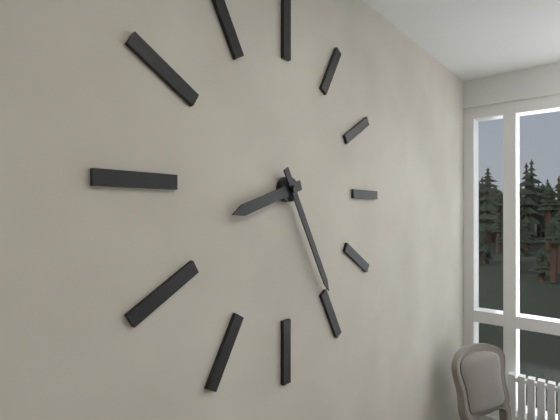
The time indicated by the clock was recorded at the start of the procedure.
8:25
